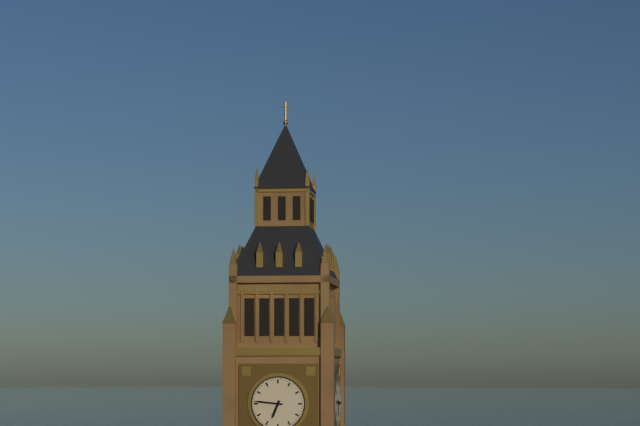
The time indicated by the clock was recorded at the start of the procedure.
6:46
